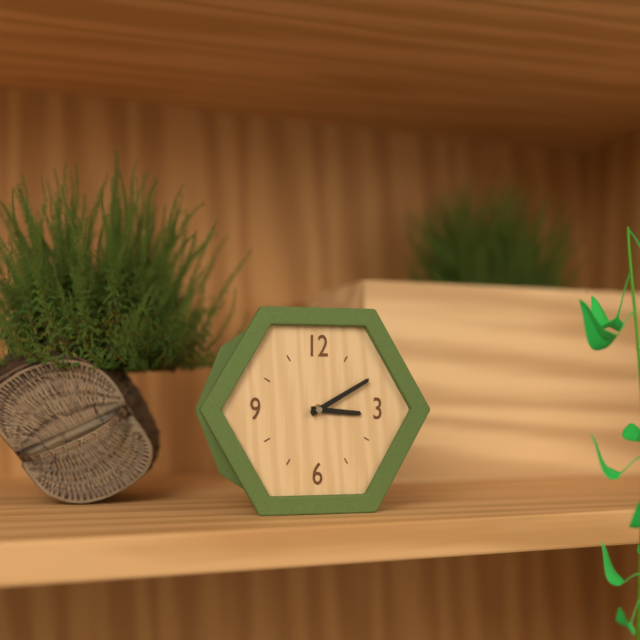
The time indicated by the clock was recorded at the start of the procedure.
3:10
